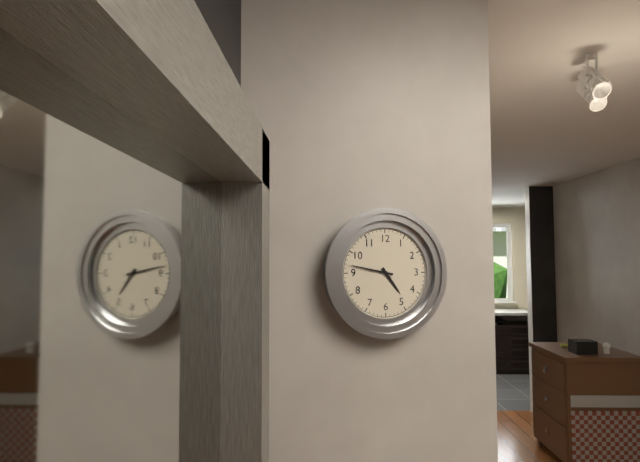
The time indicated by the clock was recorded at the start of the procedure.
4:47
